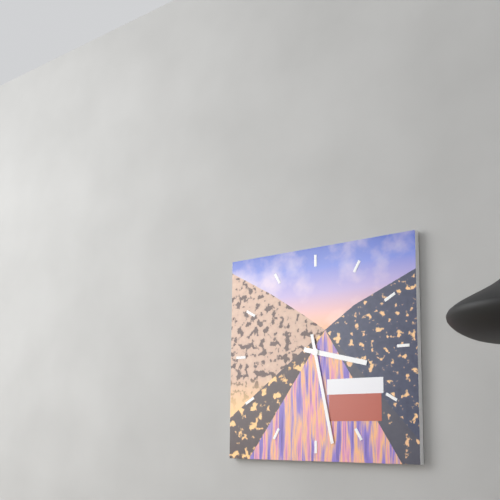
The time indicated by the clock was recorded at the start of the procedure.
3:28
